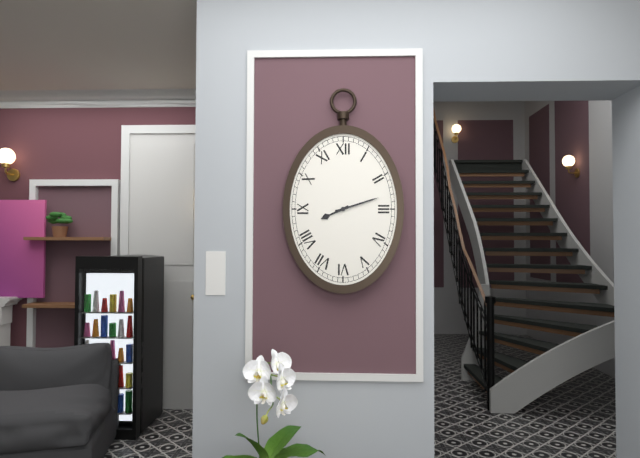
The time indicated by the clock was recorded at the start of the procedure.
8:12
